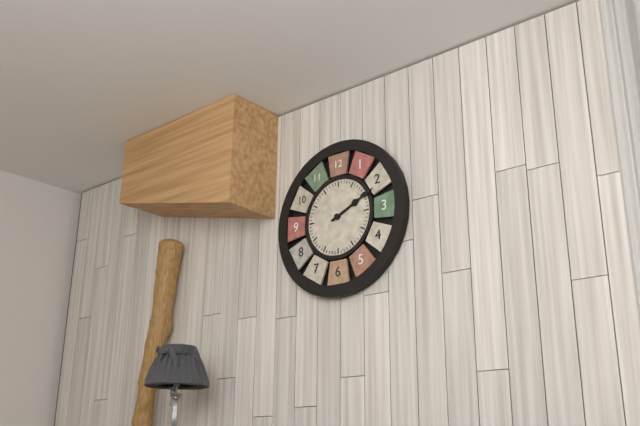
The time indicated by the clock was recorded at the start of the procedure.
2:11
